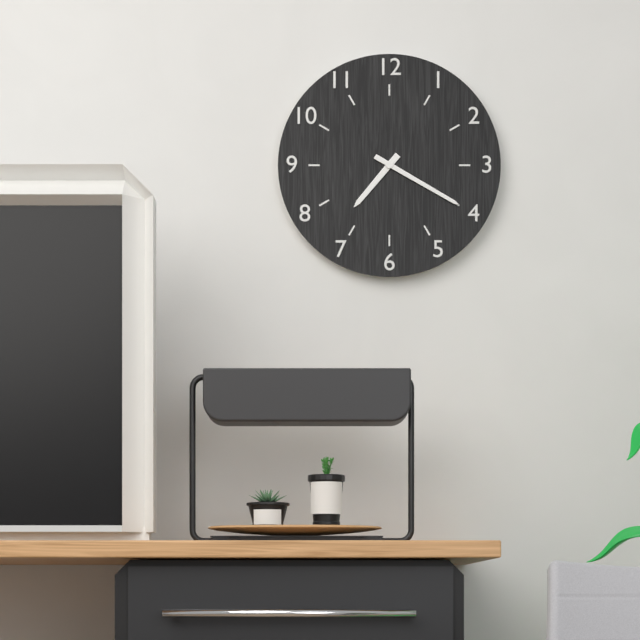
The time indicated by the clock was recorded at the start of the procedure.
7:20
